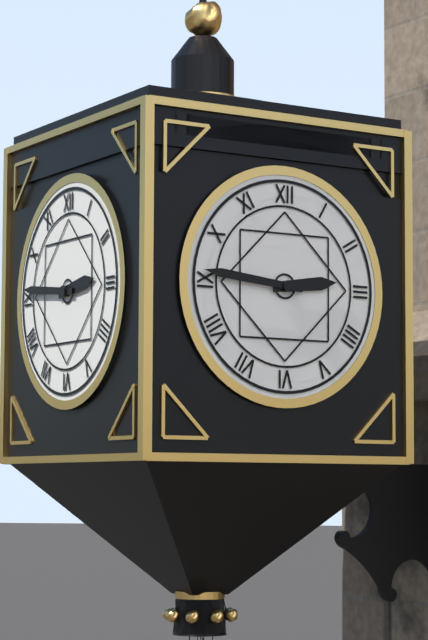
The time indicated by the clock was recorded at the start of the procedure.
2:46
